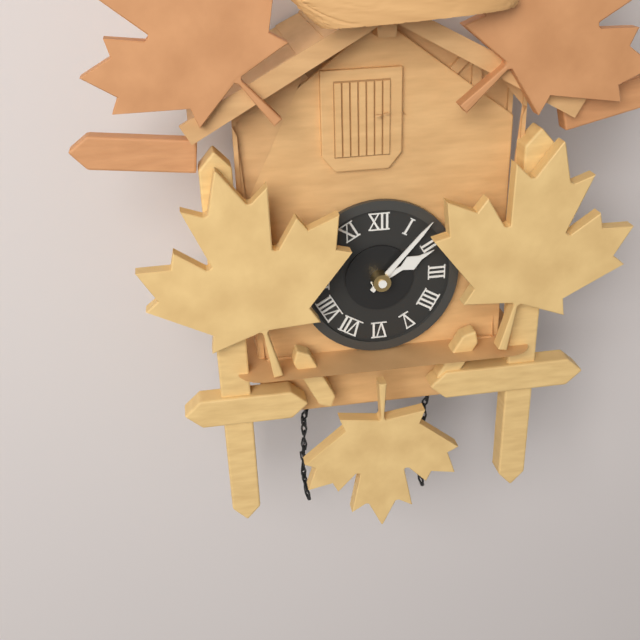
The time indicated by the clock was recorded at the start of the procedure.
2:07
